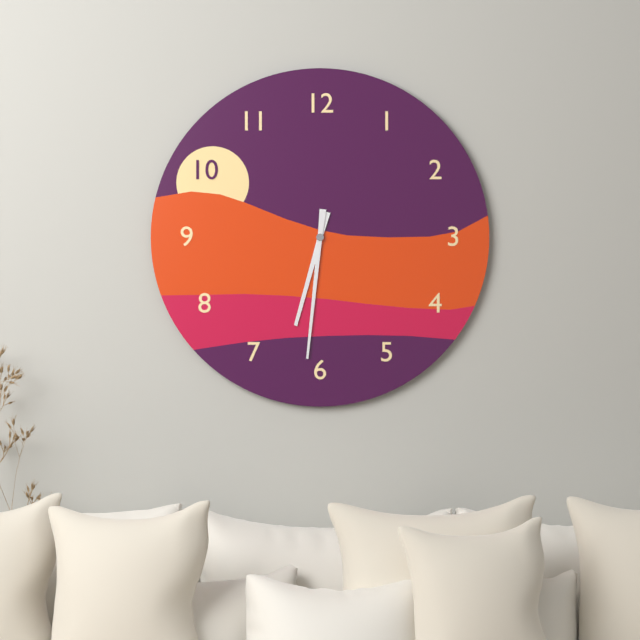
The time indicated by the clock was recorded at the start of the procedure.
6:31
